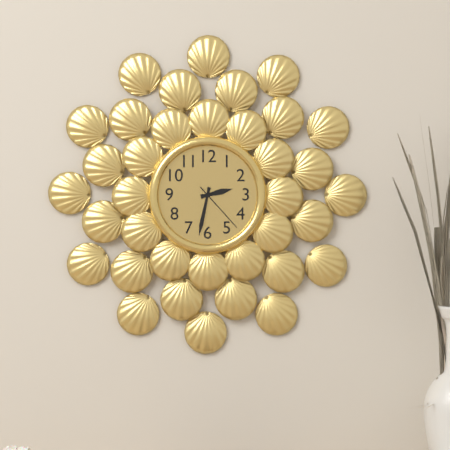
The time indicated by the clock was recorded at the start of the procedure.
2:32:23
